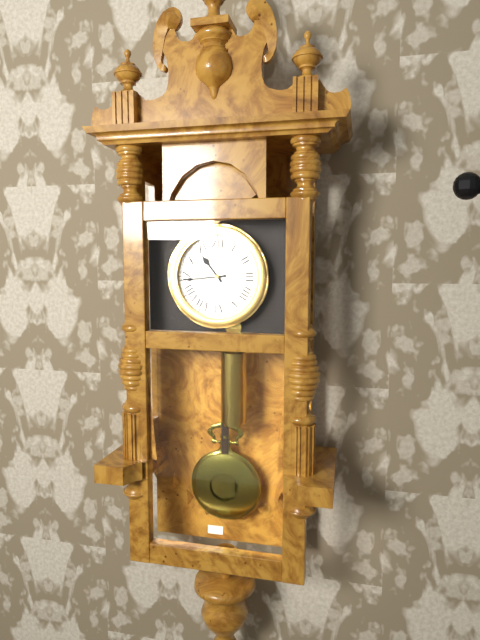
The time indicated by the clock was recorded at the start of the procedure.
10:44
